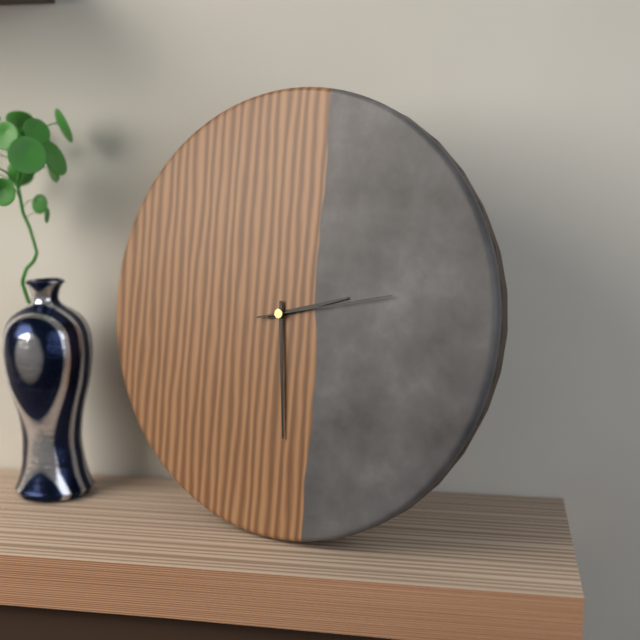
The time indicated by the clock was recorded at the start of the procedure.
2:29:13
